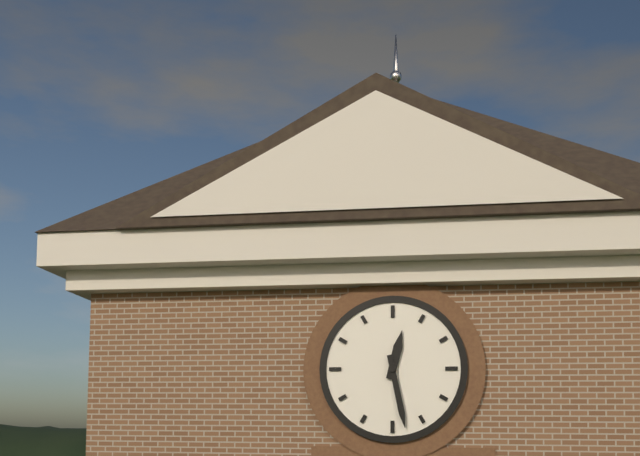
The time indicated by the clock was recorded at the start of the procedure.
12:28
